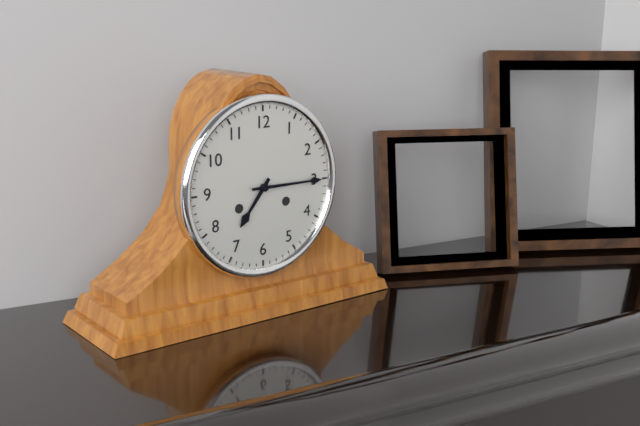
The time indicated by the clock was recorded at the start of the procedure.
7:15
